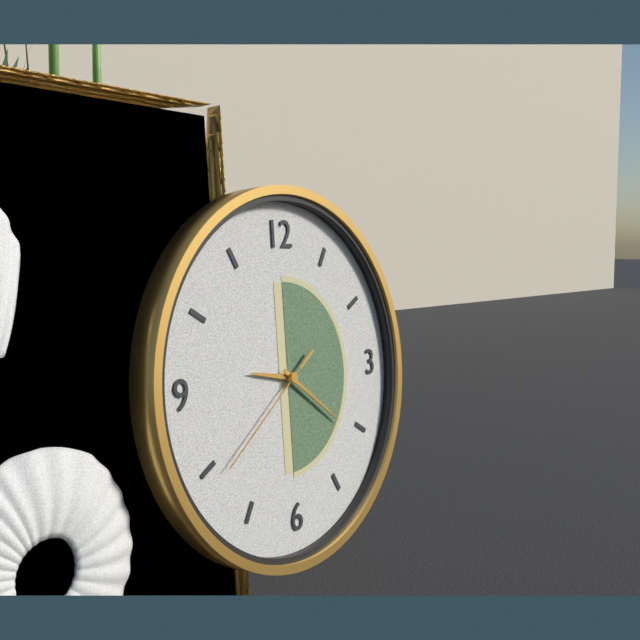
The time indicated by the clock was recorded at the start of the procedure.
9:21:39
